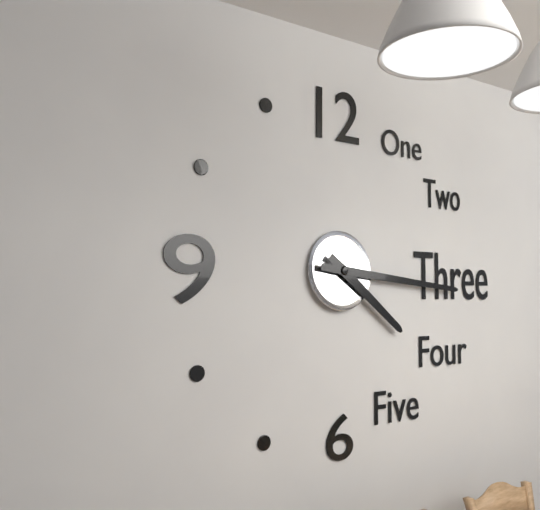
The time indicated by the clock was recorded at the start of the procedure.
4:16
